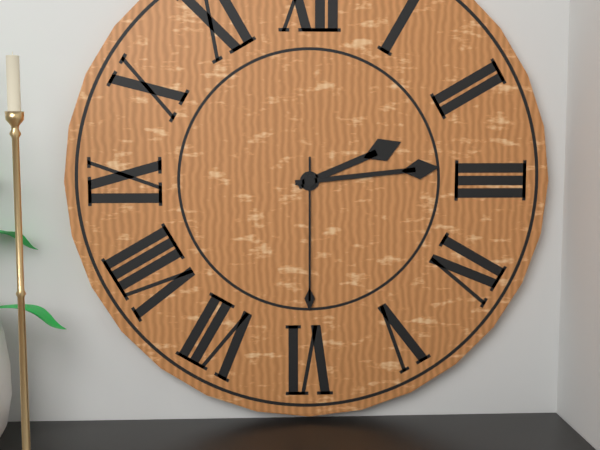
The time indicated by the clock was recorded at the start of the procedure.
2:14:30
